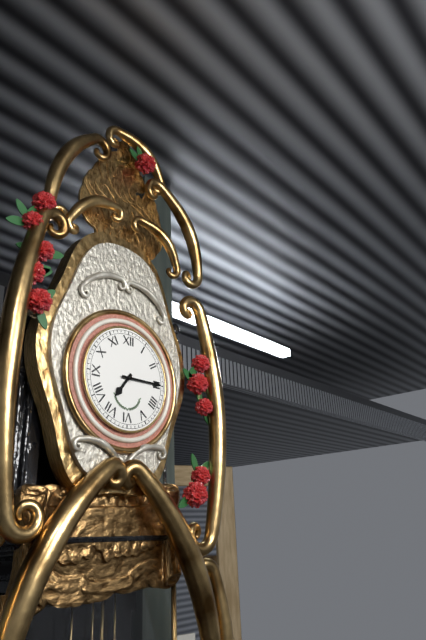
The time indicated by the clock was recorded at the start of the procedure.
7:15
